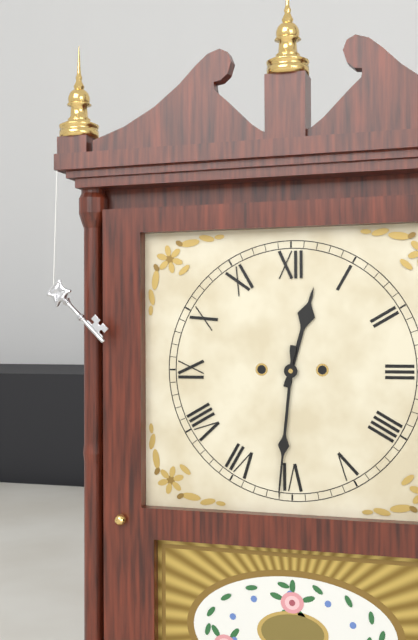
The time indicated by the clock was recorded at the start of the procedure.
12:31
